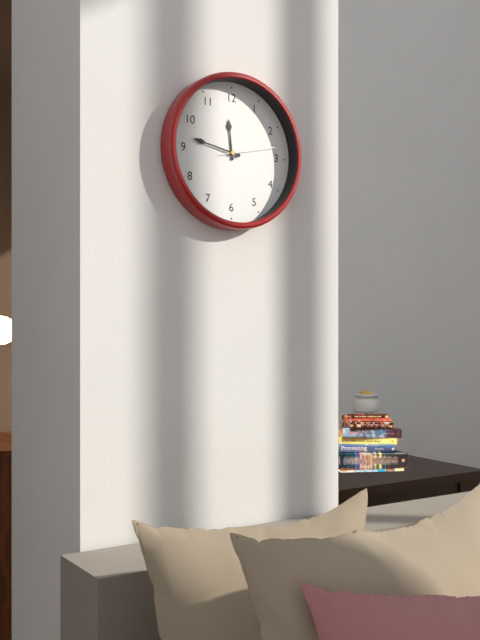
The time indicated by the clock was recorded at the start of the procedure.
11:47:13
